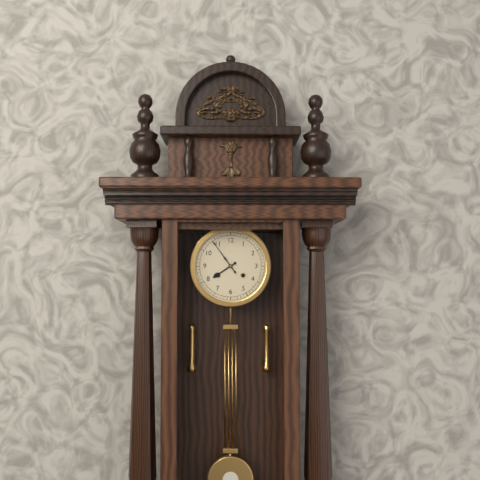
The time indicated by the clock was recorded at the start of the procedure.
7:54
